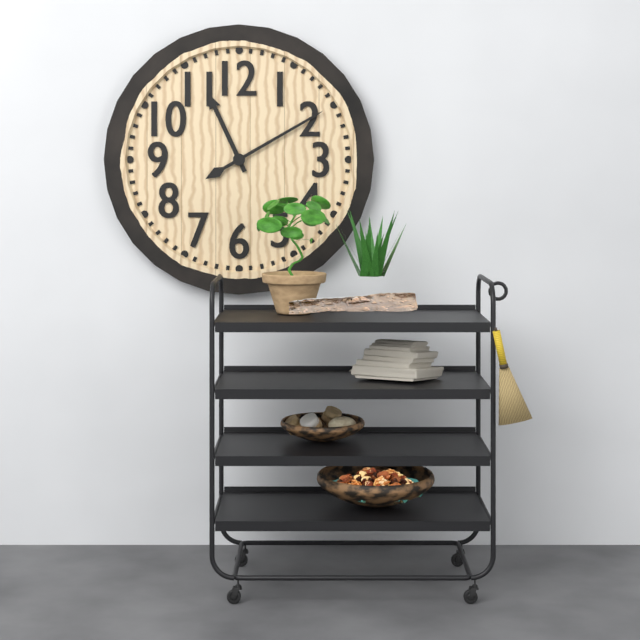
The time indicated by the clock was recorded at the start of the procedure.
11:10
